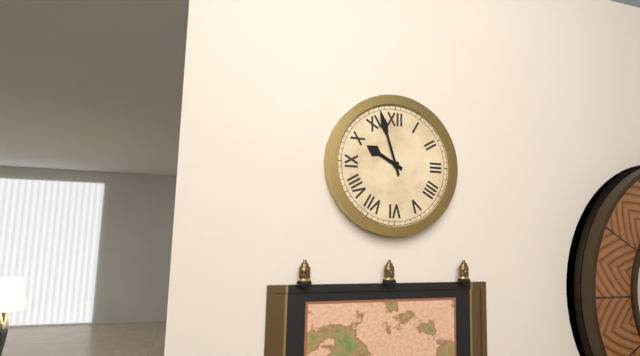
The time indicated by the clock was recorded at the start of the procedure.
9:57
